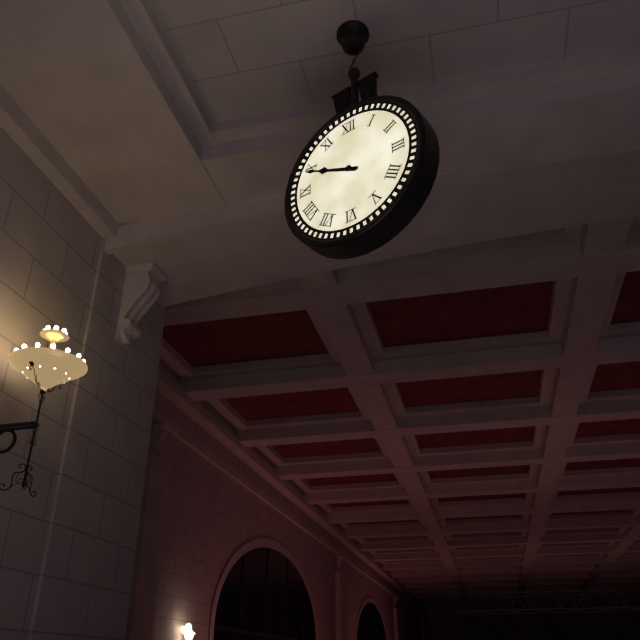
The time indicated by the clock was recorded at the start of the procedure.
9:49
